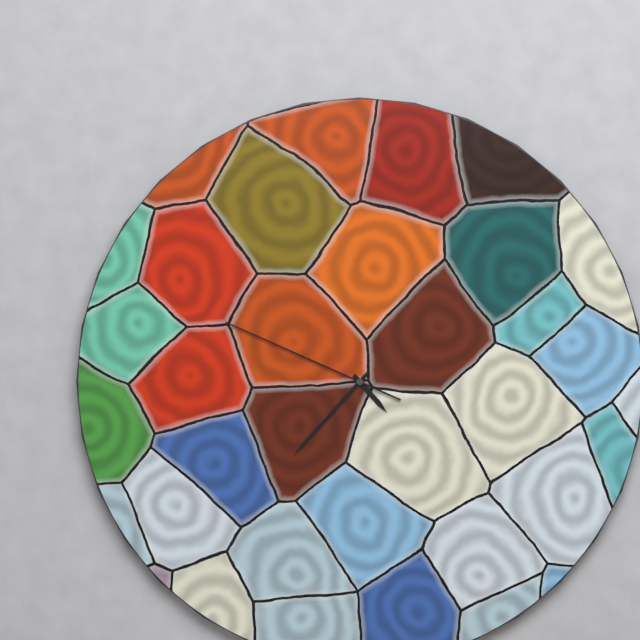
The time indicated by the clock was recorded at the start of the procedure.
4:37:49
